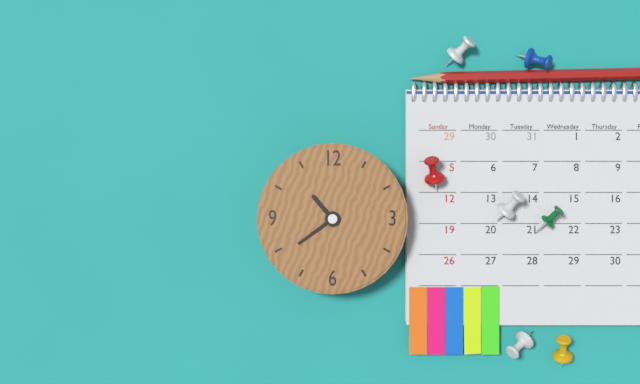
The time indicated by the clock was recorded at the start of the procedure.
10:39
